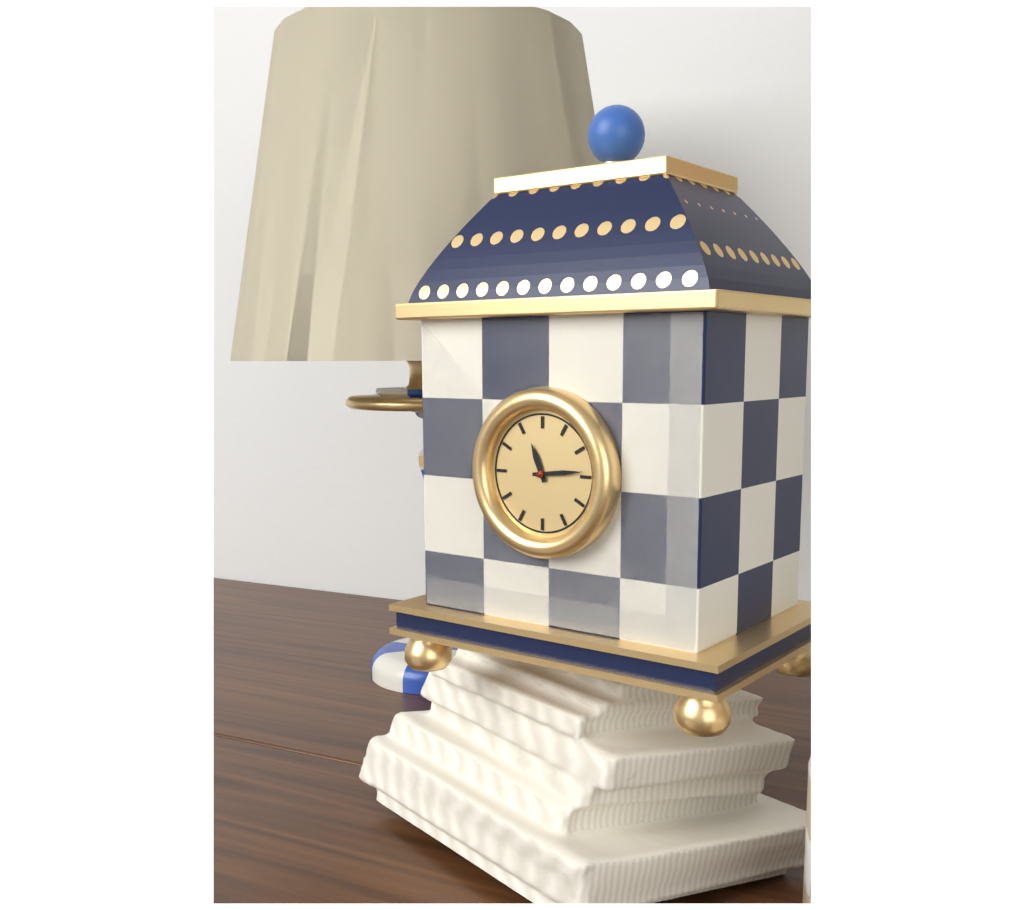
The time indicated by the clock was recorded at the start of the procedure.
11:14
